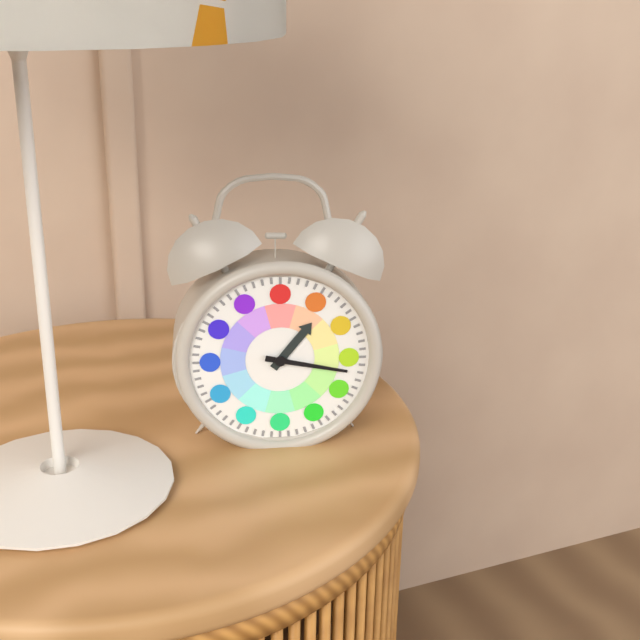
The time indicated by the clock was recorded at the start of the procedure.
1:17
